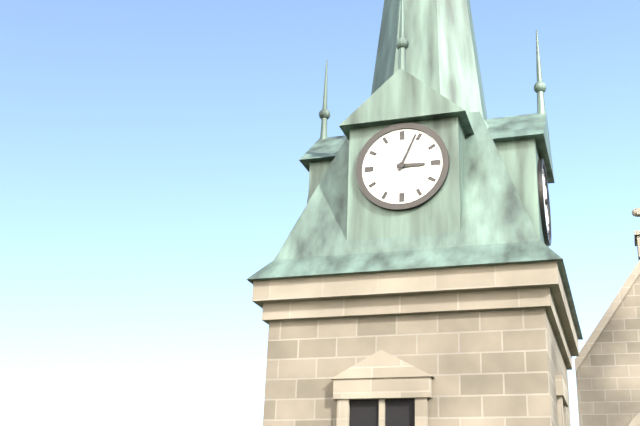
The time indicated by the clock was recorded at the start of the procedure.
3:04
